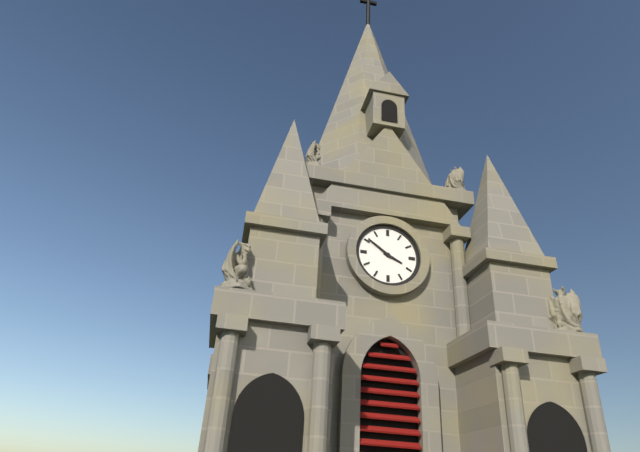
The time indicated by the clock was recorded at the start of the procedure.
3:51
